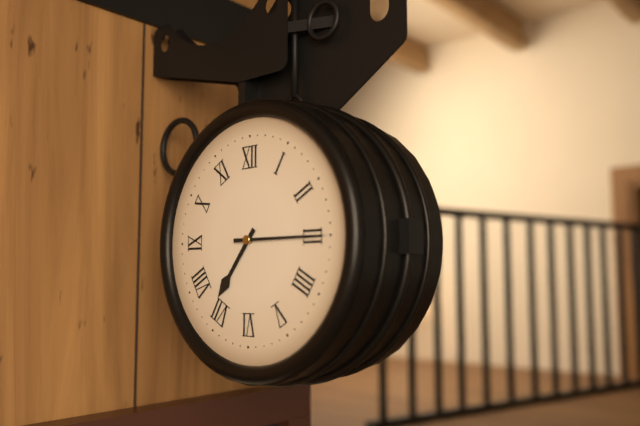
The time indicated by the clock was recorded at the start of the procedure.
7:15
